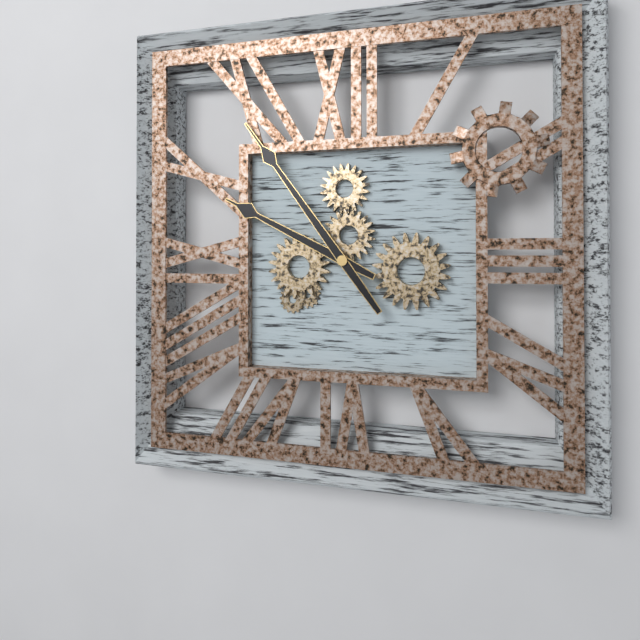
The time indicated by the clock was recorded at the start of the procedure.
9:54
